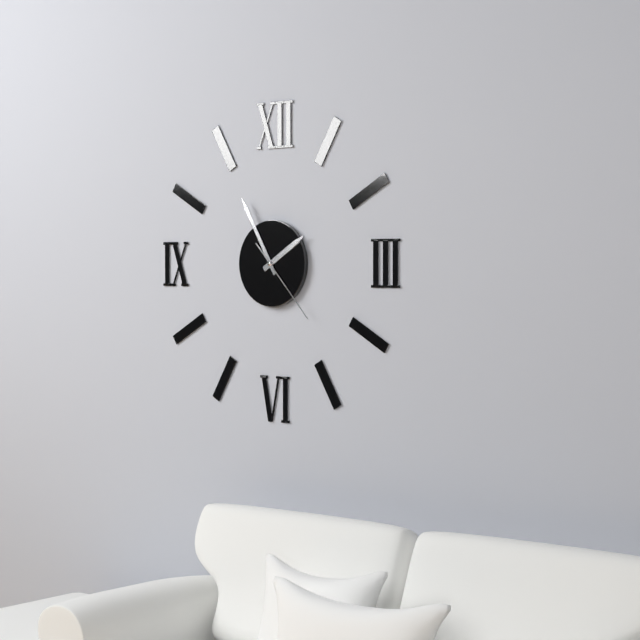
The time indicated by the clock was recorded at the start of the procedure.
1:55:23
